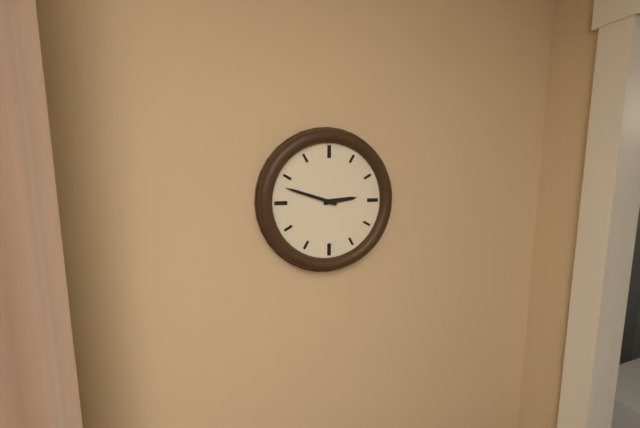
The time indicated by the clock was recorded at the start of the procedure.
2:48
